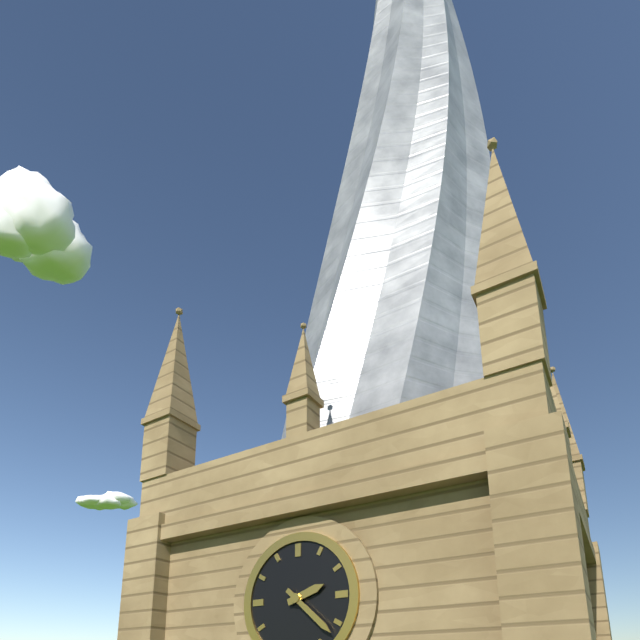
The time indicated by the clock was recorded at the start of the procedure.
2:22
